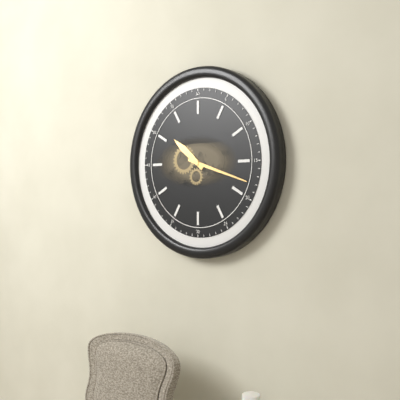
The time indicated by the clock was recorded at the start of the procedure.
10:18
